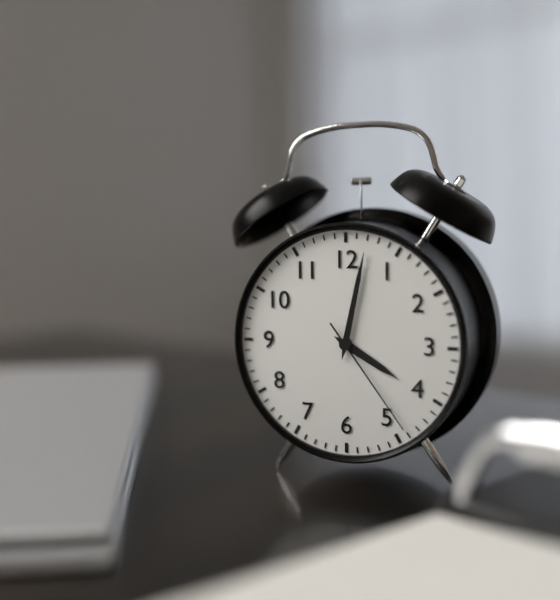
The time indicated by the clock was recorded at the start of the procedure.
4:02:24
